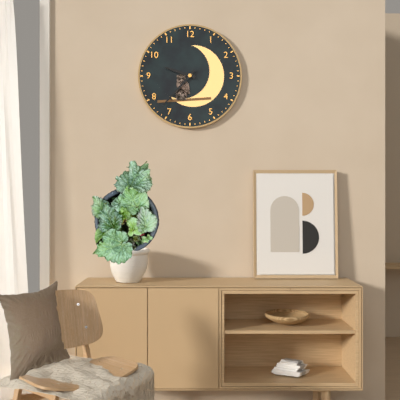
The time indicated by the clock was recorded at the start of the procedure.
9:37
